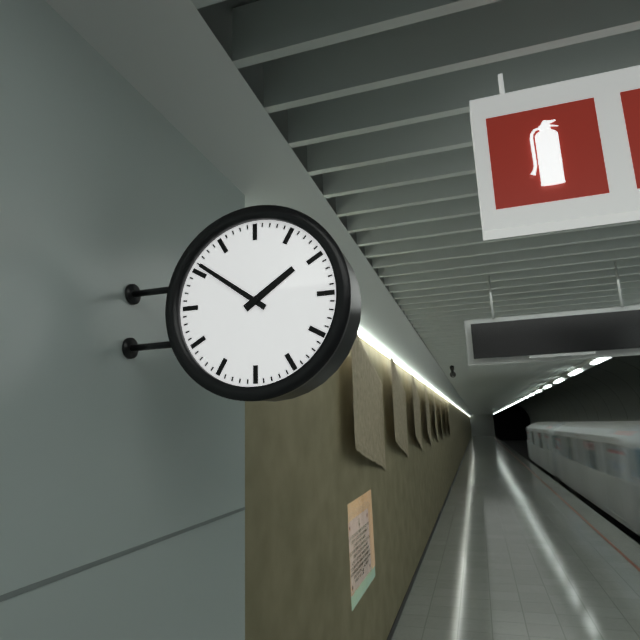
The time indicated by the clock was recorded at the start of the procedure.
1:51
